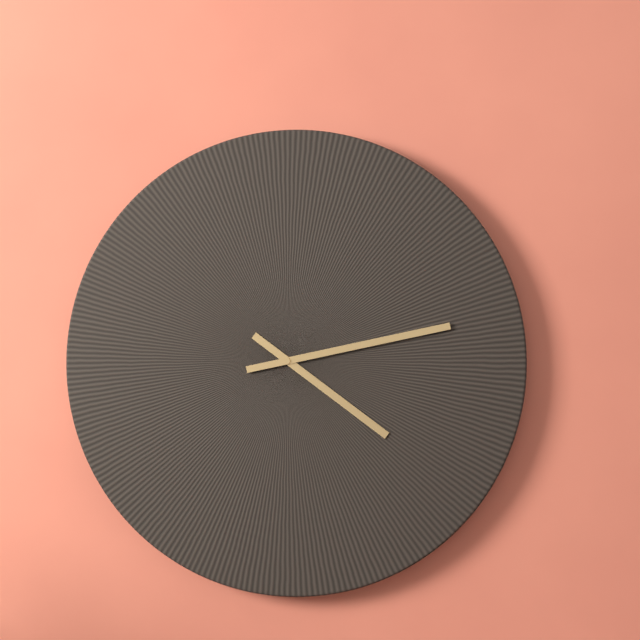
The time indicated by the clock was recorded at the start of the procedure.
4:13
